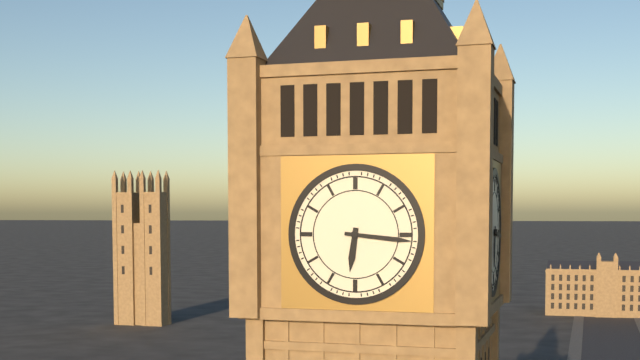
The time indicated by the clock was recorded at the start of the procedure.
6:16
